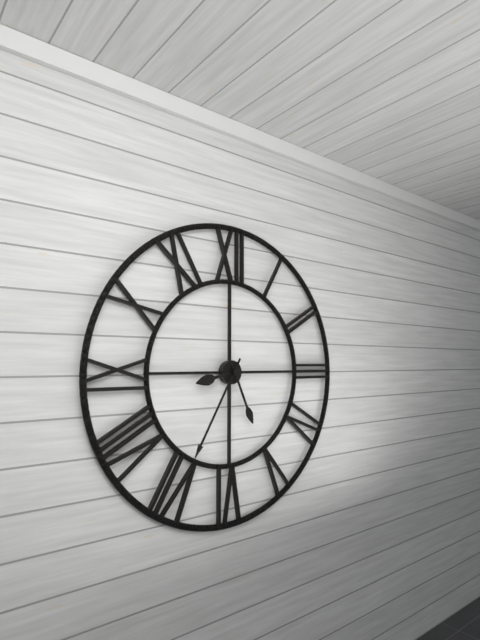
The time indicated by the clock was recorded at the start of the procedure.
8:35:26
